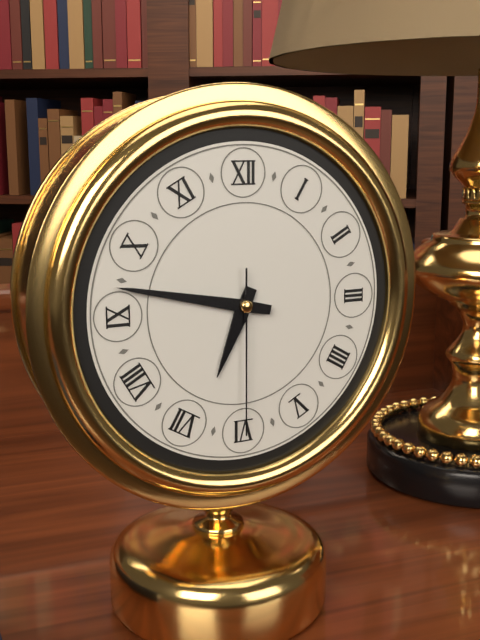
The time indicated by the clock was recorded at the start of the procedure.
6:47:30
